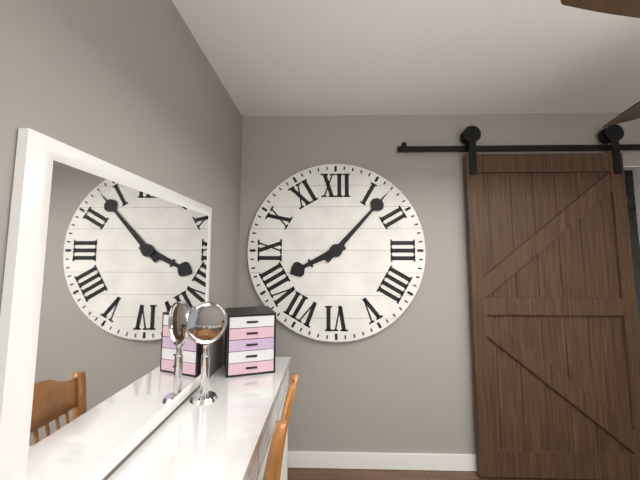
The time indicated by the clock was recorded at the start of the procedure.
8:07
